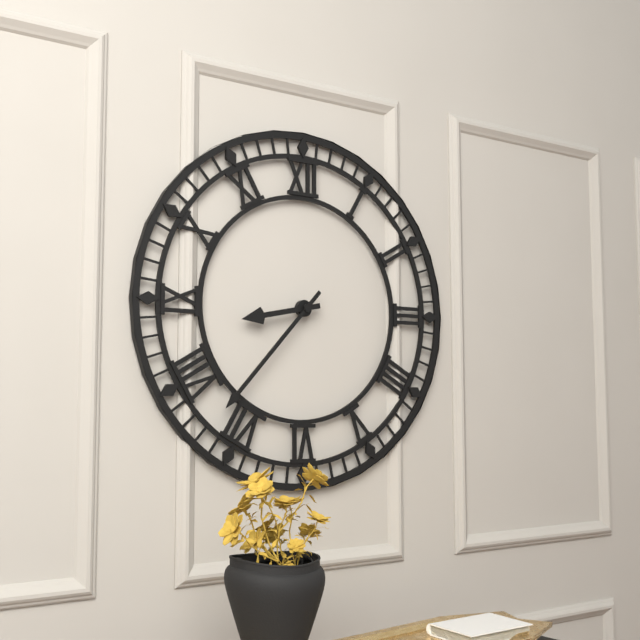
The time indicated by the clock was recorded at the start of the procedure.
8:37
